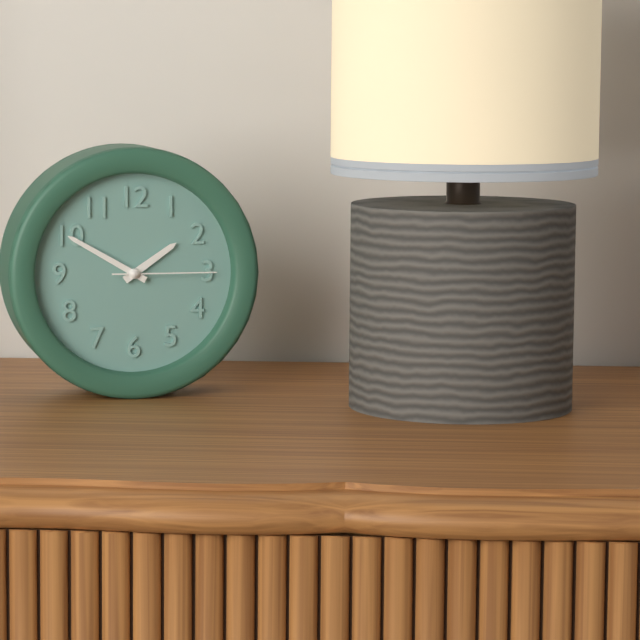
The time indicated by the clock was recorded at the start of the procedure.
1:50:15
